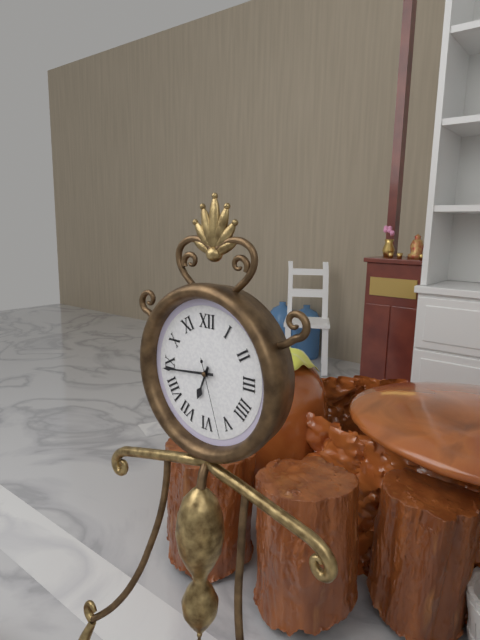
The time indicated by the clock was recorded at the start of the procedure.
6:44:27
